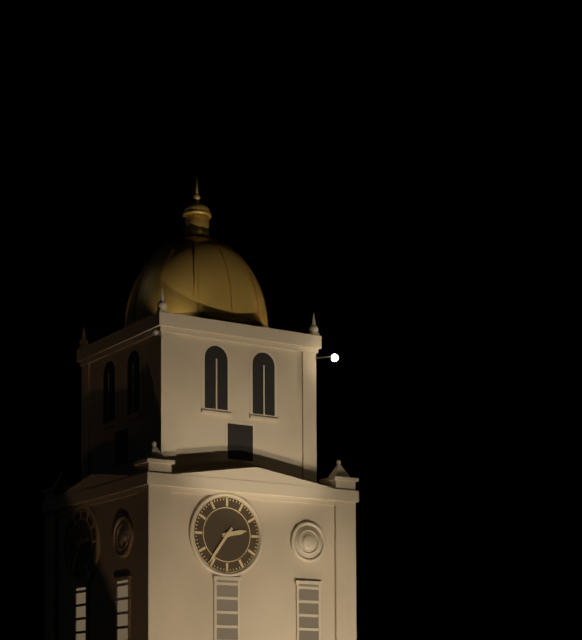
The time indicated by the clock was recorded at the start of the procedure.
2:36
